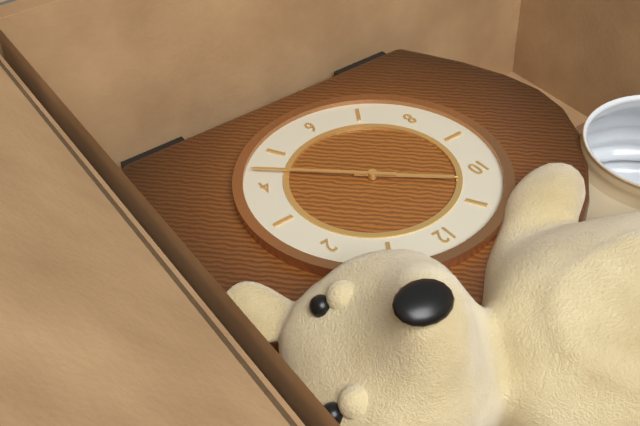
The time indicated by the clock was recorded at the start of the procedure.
10:22
